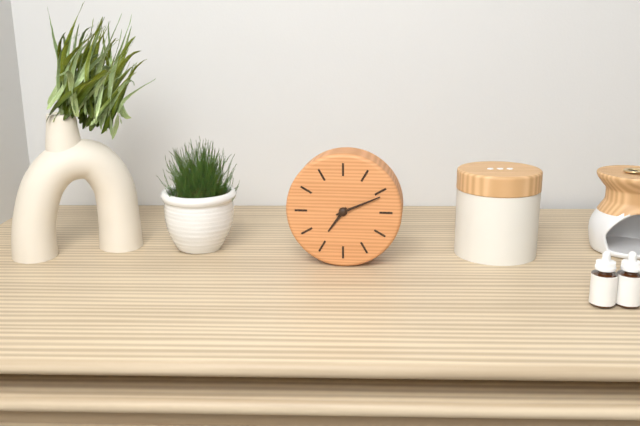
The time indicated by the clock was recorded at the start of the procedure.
7:11
